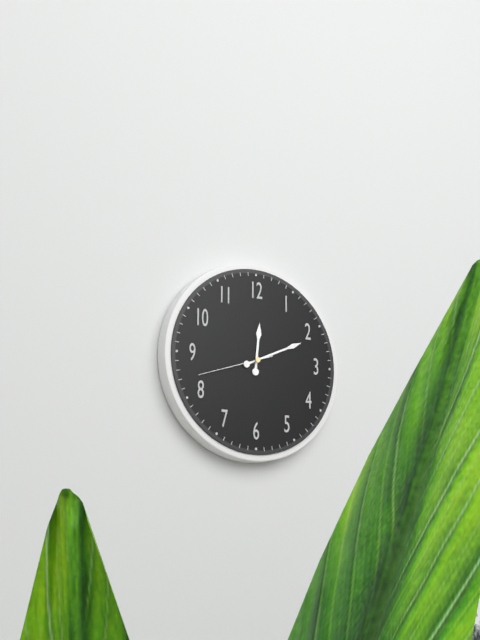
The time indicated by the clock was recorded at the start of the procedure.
12:11:42
